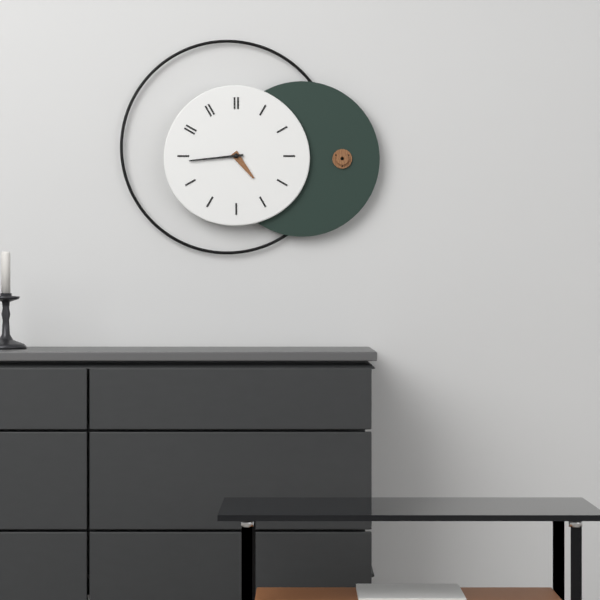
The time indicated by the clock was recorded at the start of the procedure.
4:44
